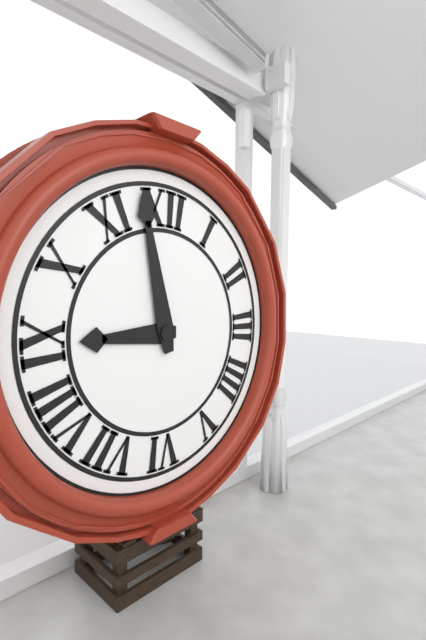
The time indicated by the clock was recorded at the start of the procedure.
8:58
